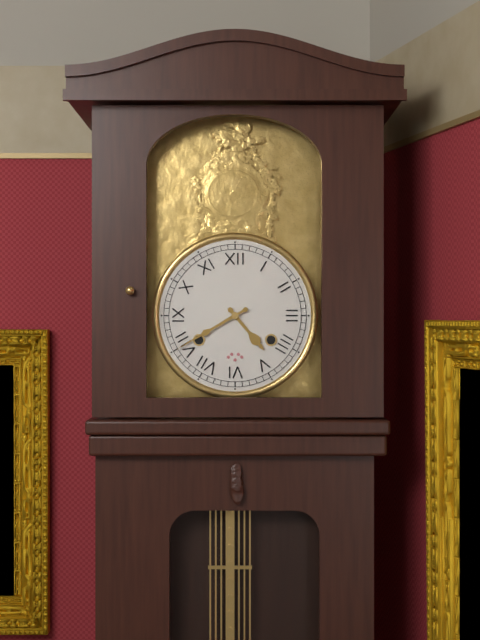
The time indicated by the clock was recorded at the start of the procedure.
4:40
